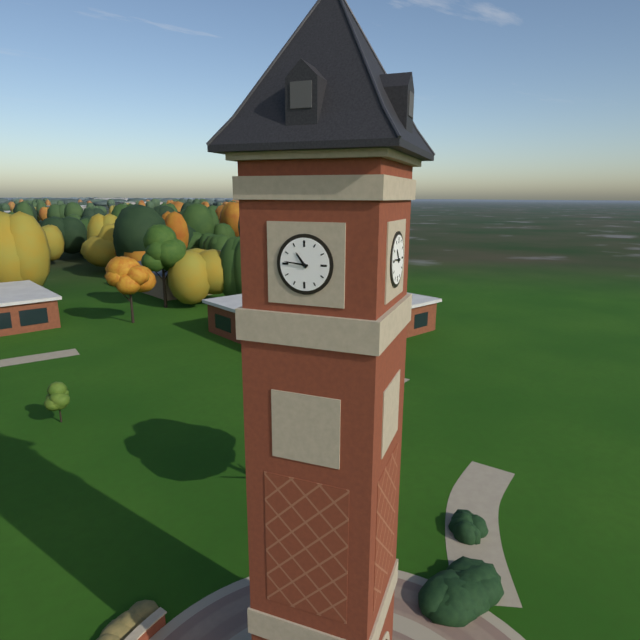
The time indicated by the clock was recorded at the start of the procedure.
10:46
